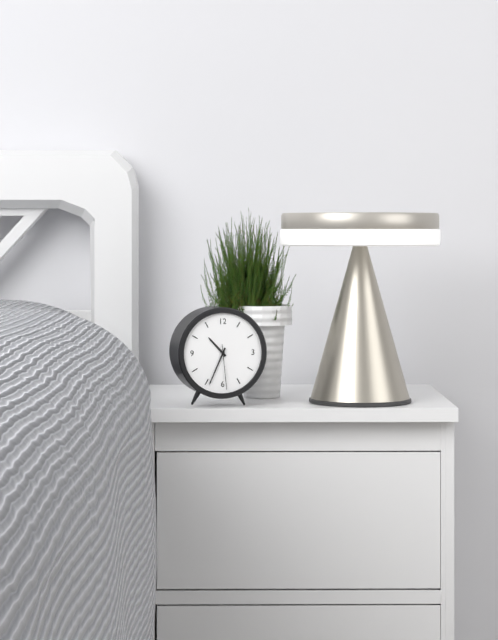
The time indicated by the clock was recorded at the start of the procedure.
10:34
